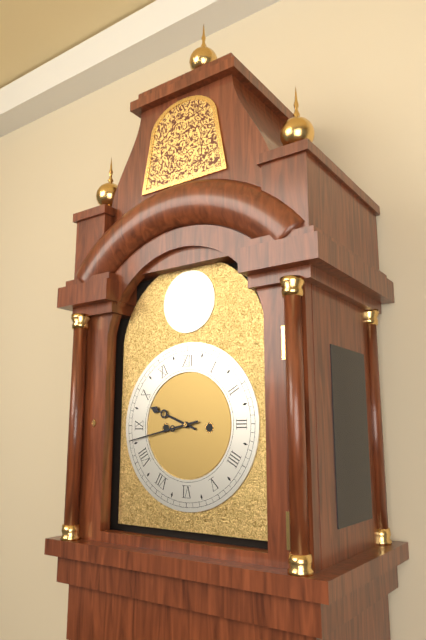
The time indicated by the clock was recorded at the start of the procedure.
9:43
